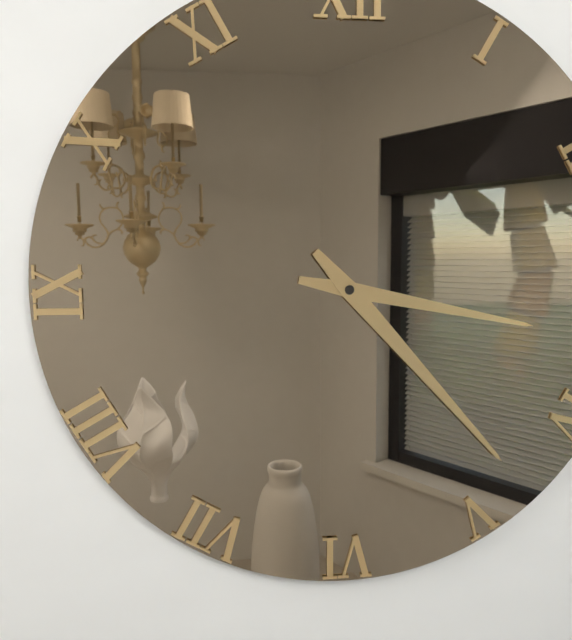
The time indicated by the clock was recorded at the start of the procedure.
3:23
